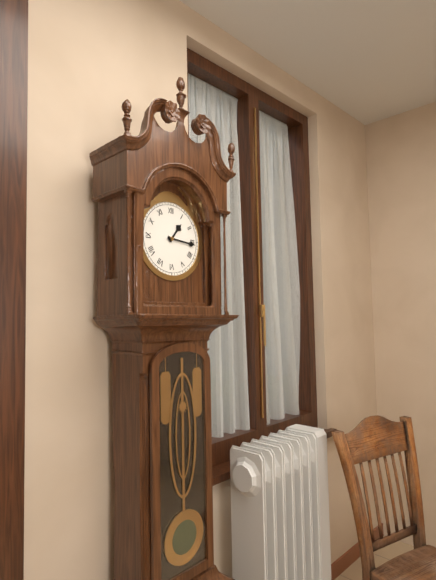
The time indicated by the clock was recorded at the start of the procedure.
1:16
